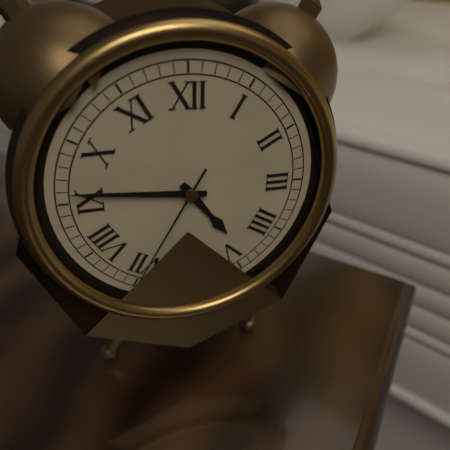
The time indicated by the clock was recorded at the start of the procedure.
4:46:35
